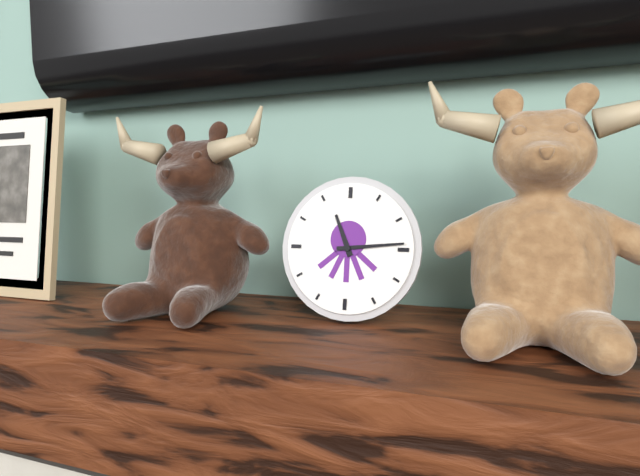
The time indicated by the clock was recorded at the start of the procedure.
11:14
